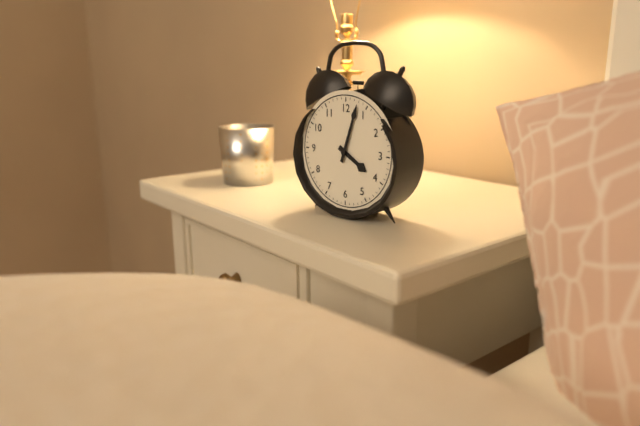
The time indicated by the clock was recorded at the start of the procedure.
4:03
